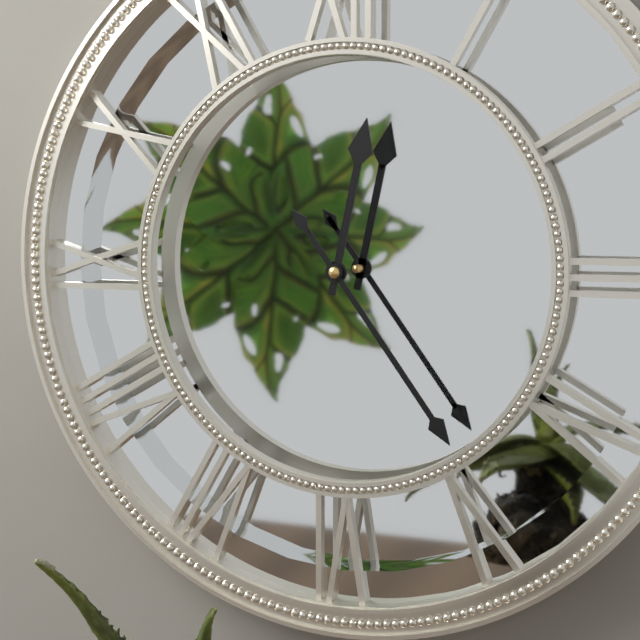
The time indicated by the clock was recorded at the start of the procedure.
12:24
